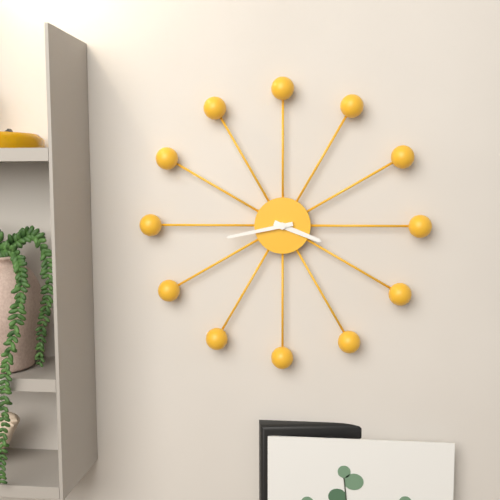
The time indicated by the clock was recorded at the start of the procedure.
3:43
